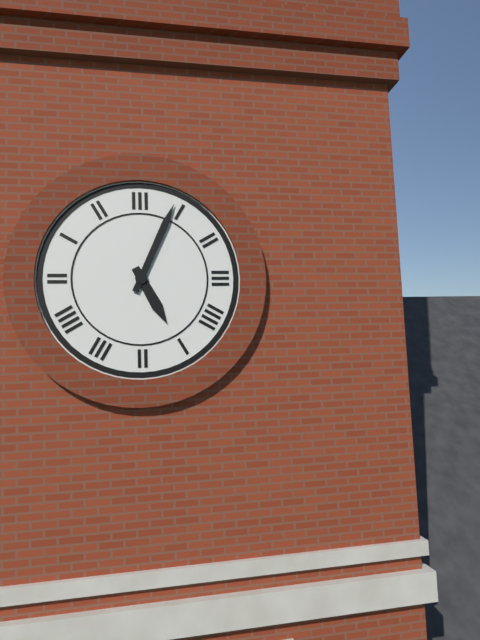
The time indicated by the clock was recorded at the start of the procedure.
5:04
